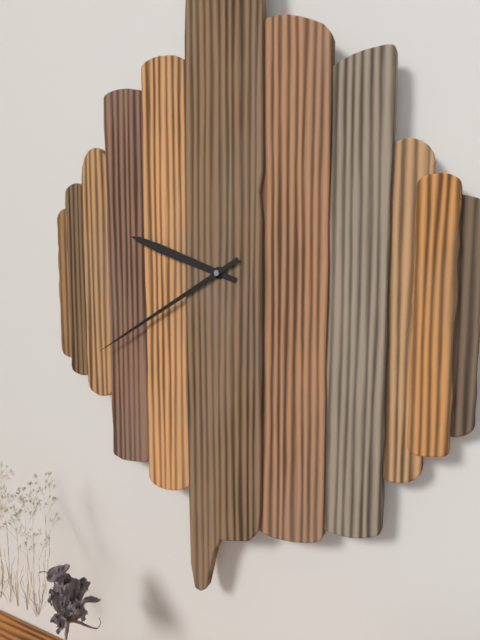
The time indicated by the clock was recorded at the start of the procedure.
9:40
